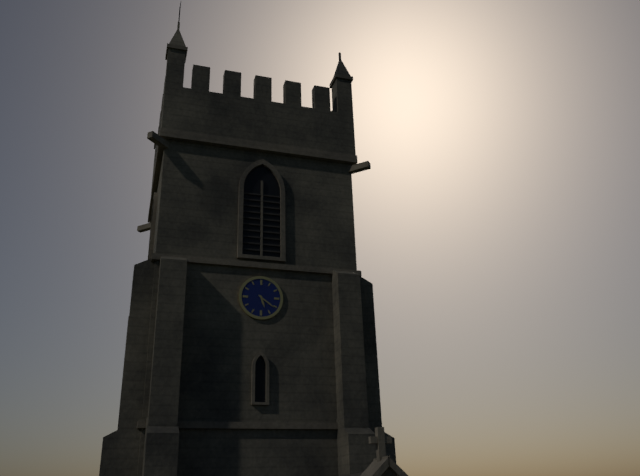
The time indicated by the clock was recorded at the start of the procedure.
5:21
